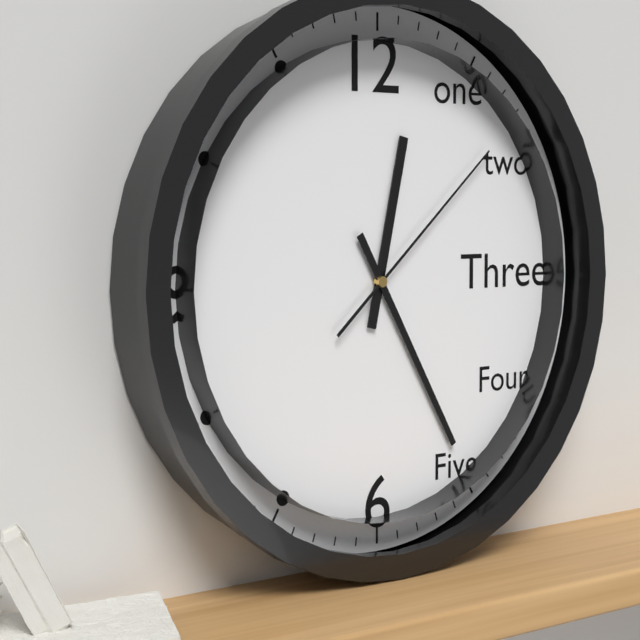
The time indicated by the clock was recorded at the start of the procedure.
12:25:08
